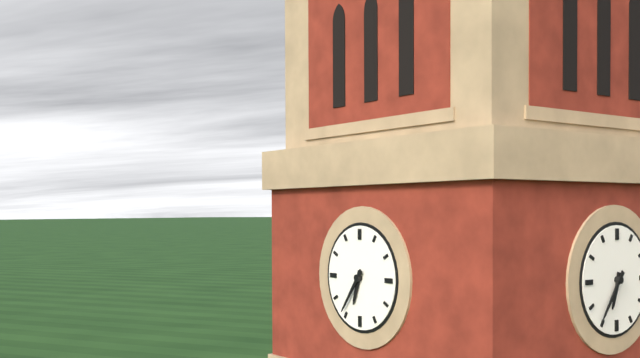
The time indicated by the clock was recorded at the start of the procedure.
6:36
